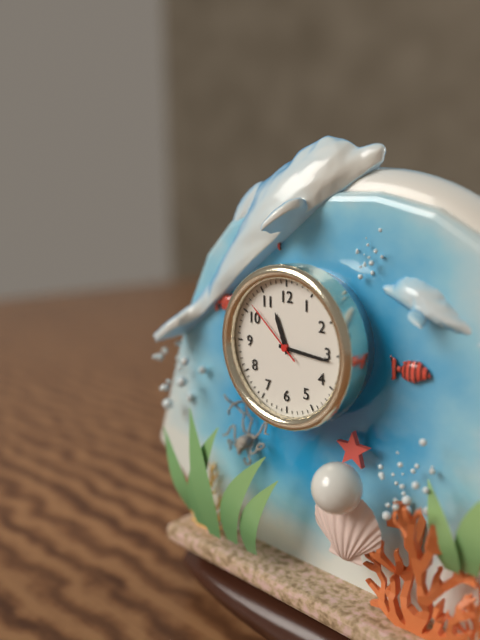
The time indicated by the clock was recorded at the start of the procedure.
11:16:52
